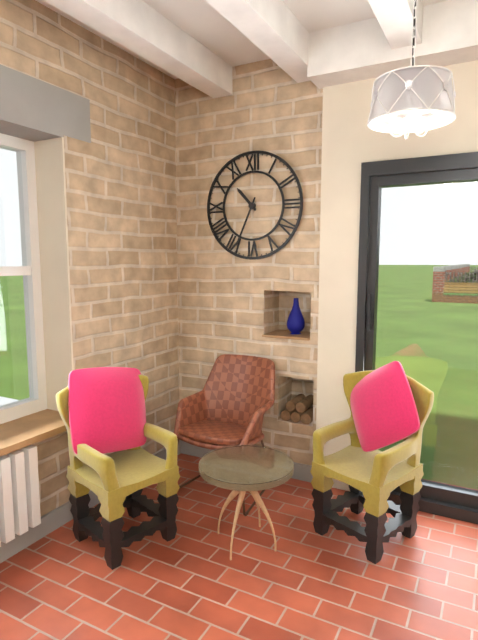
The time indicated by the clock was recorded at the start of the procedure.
10:34
